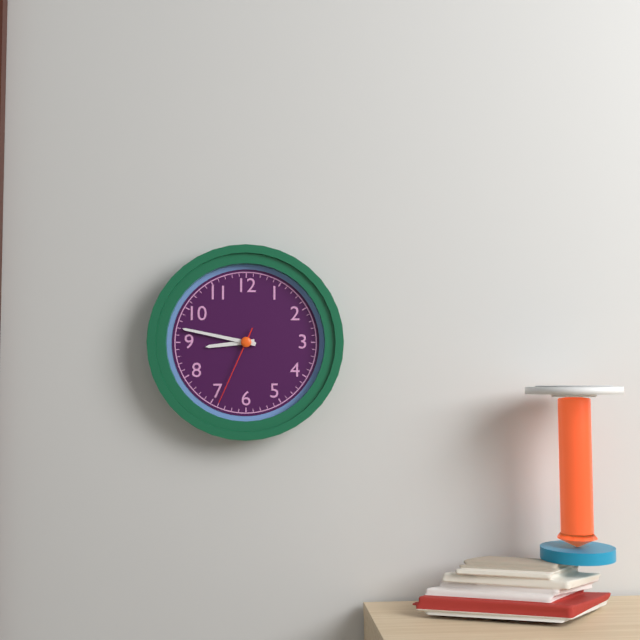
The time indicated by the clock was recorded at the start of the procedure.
8:47:34
